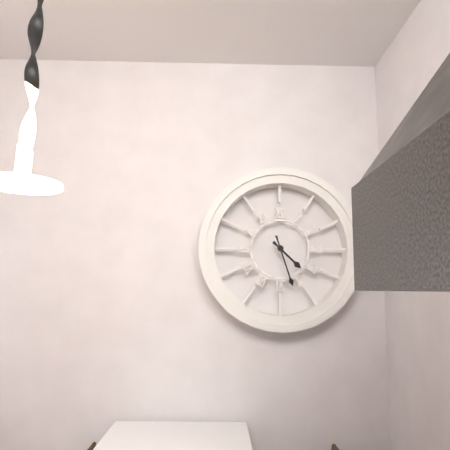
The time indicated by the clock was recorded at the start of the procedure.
4:27
